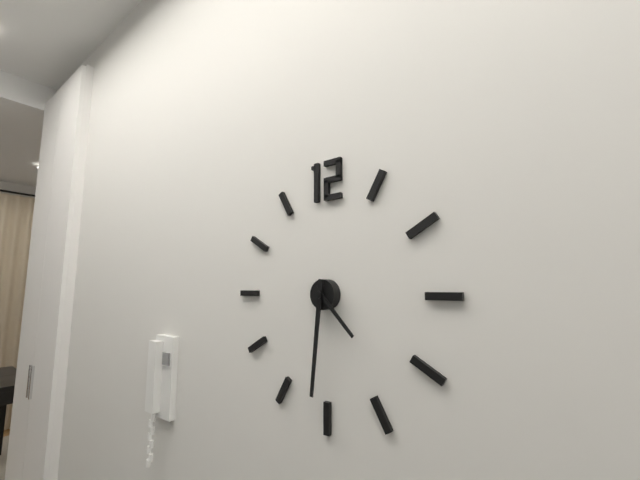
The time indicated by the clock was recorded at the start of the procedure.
4:31
